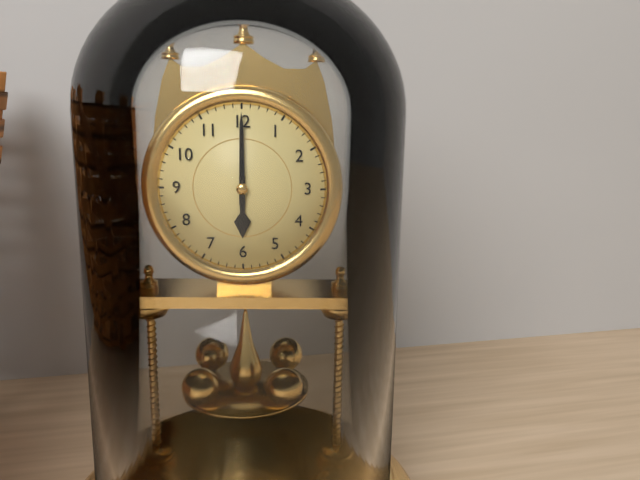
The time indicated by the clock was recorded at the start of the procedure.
6:00
